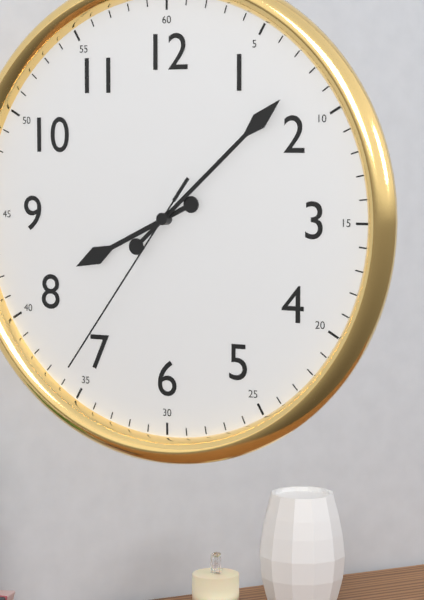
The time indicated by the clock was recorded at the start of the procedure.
8:08:36
